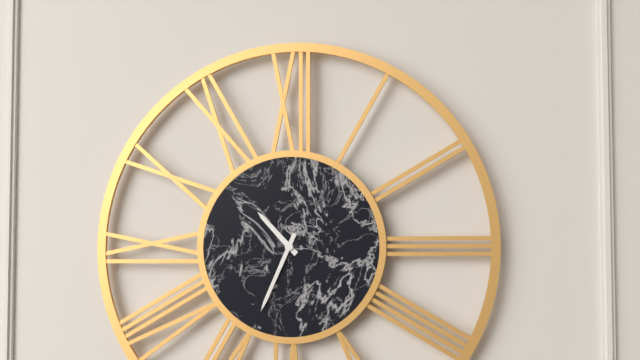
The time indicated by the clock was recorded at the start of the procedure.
10:34
